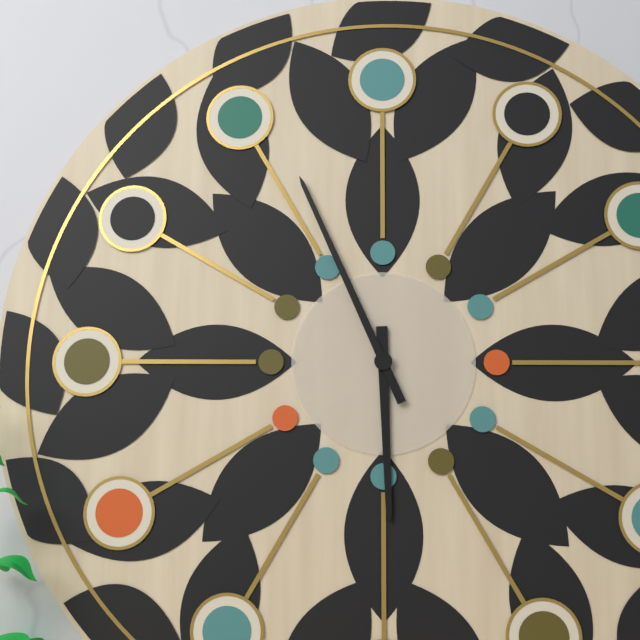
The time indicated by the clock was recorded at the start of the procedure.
5:56
